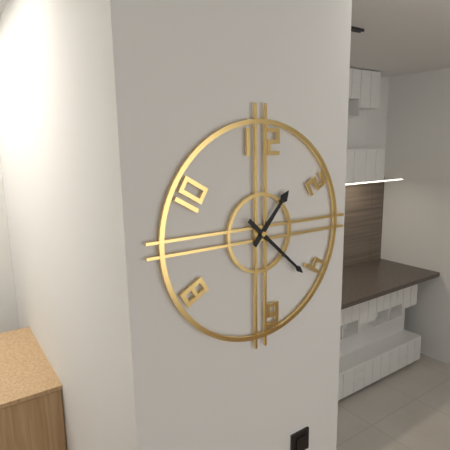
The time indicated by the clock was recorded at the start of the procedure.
1:22
